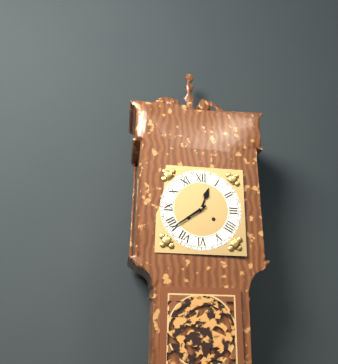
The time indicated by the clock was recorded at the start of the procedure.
12:39
